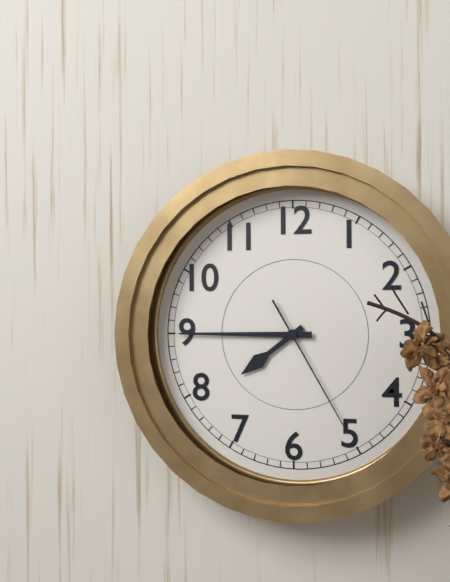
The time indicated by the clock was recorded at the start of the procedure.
7:45:25
